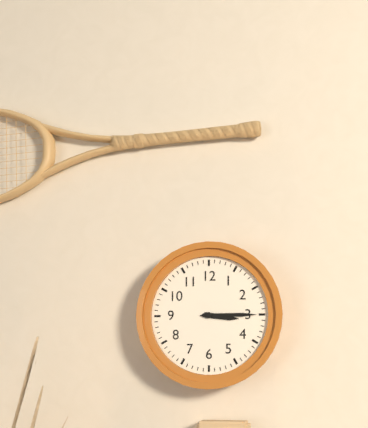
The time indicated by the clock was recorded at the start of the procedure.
3:15
